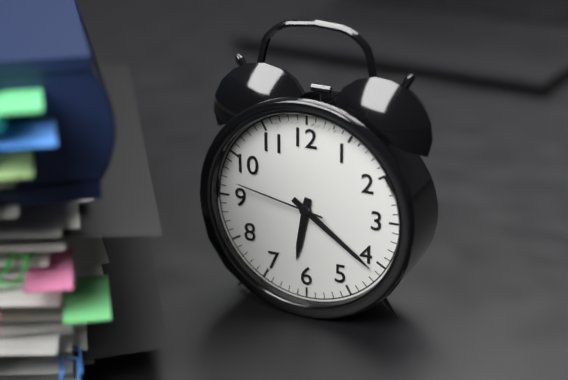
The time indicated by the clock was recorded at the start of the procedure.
6:21:47
